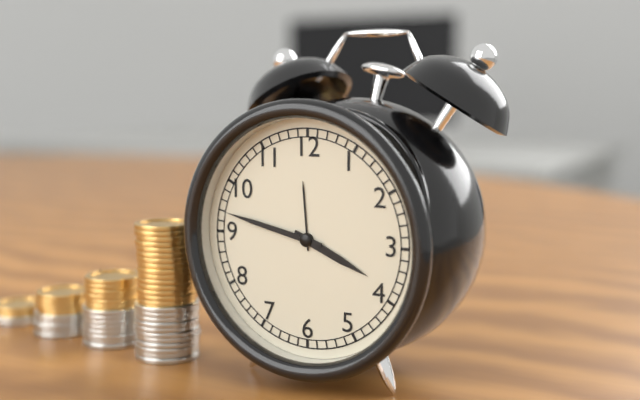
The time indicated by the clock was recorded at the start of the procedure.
3:47
